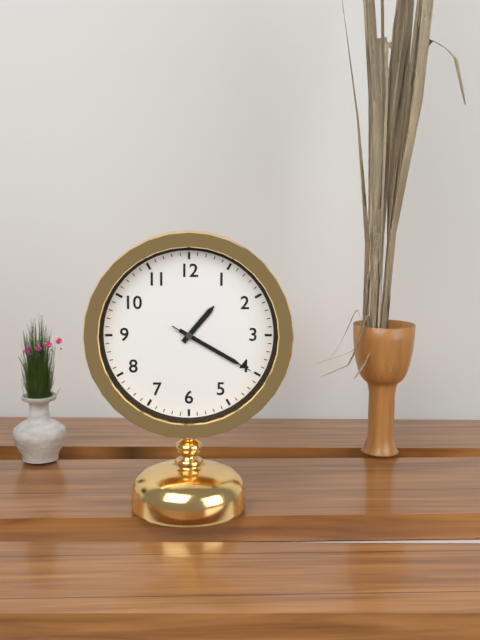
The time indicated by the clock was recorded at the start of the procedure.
1:20:20
